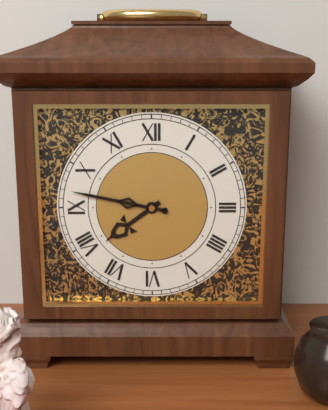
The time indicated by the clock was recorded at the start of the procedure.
7:47
